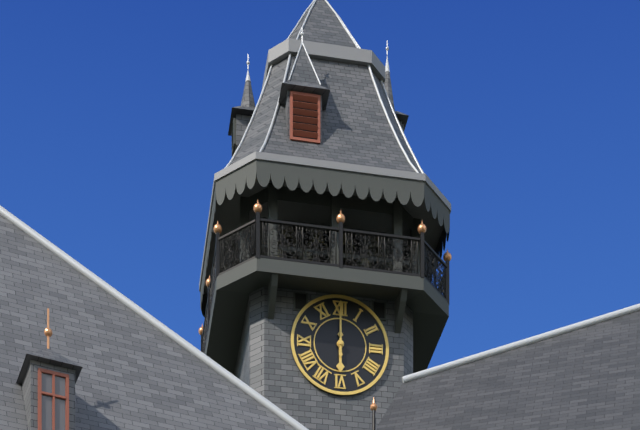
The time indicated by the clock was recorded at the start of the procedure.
6:00
